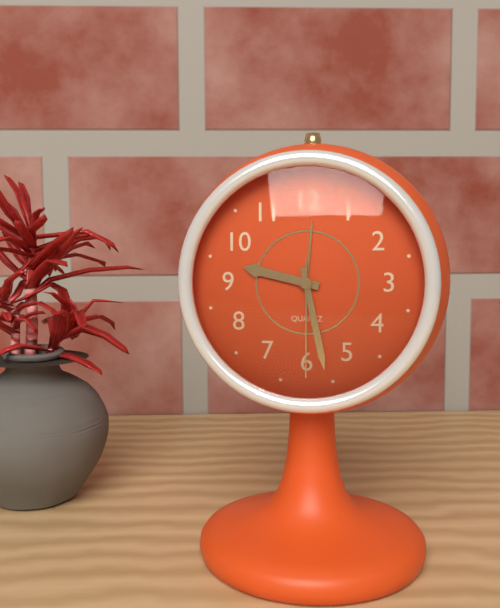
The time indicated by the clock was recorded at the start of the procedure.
9:28:30
